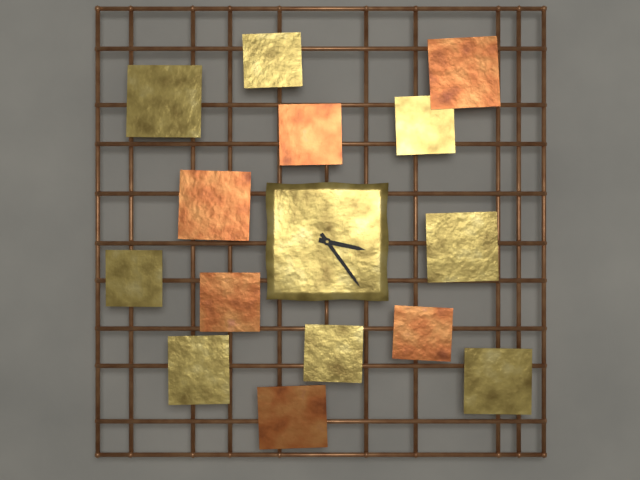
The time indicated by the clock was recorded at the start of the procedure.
3:24
